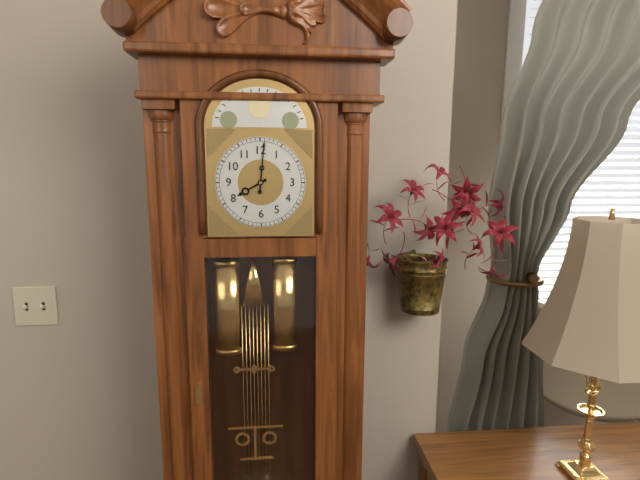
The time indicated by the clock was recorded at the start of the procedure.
8:01
